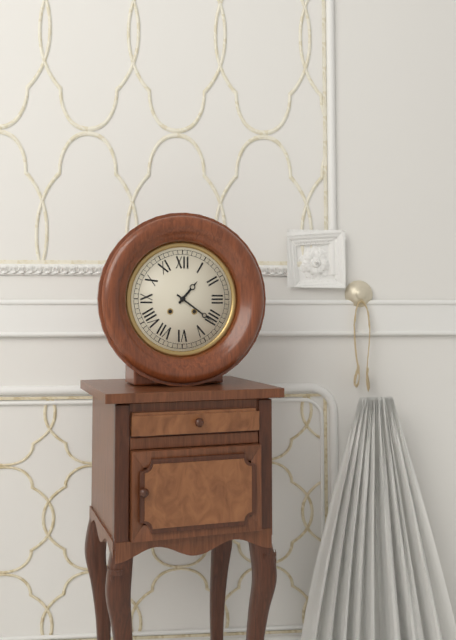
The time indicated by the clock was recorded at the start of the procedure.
1:21
